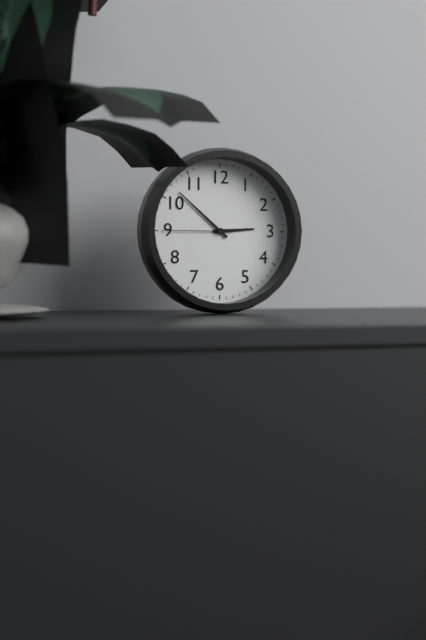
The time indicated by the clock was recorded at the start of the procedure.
2:52:45
